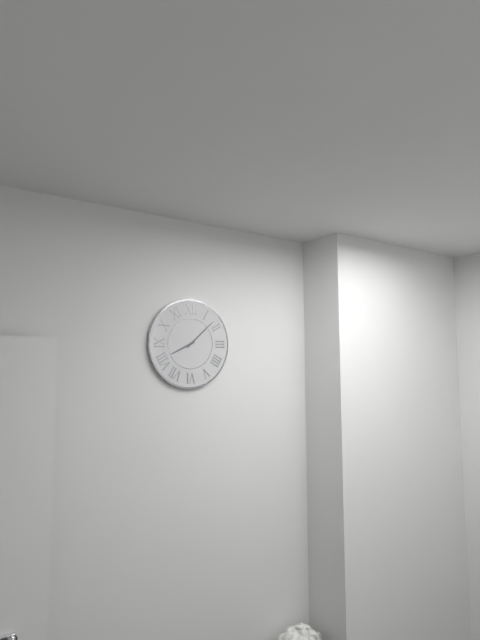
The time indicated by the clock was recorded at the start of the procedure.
8:08
